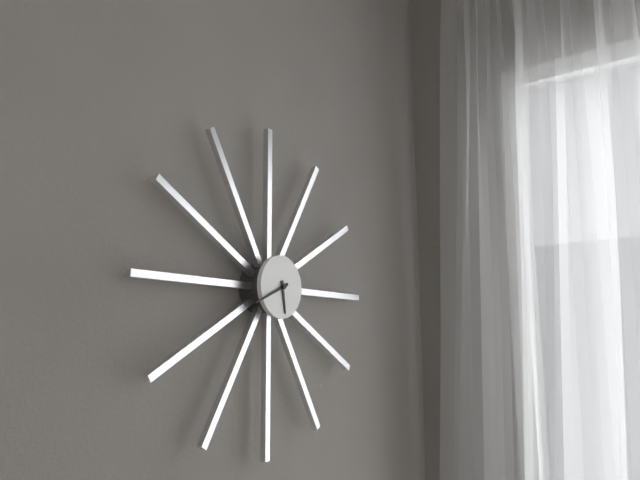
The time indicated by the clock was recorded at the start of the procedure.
5:41
